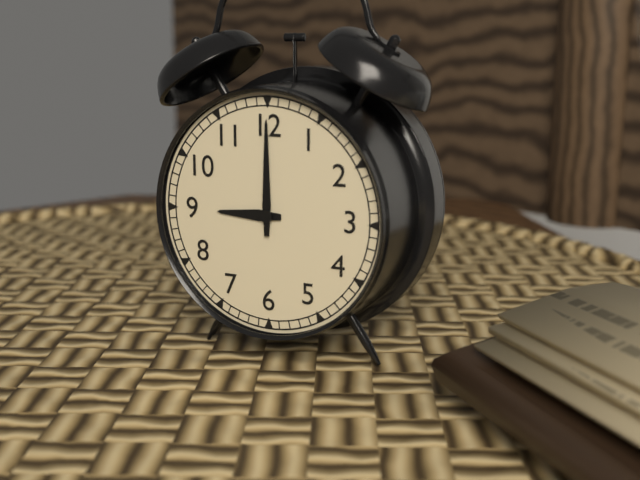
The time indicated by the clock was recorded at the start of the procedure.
9:00
